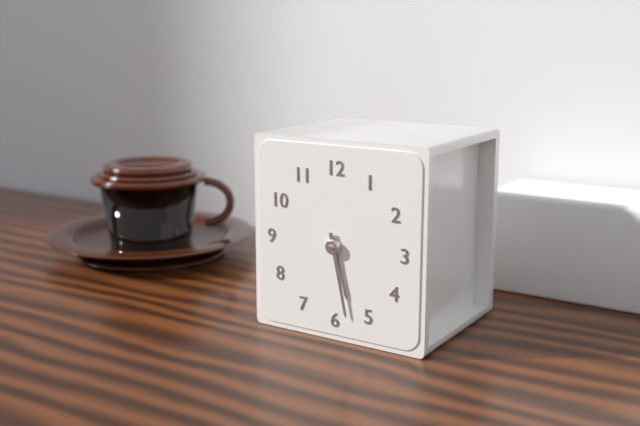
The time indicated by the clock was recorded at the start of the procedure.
5:28
